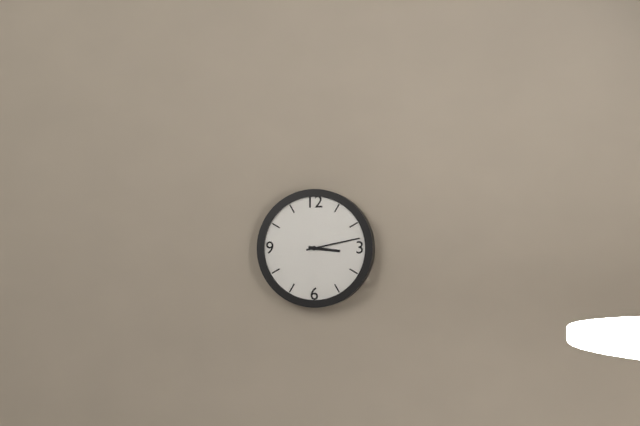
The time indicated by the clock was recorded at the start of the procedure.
3:13
